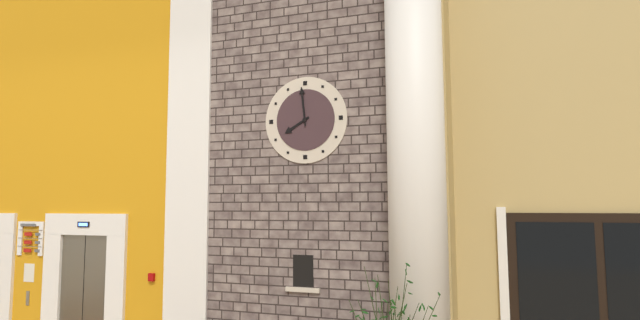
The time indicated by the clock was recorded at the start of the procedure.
7:59
